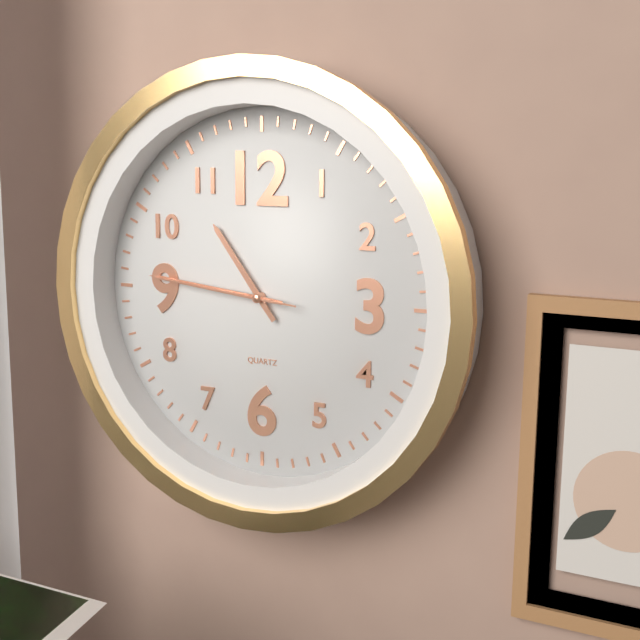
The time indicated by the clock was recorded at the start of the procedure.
10:46:46
